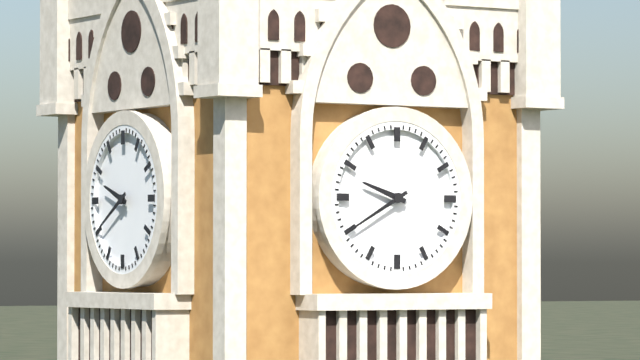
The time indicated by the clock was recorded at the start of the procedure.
9:40
